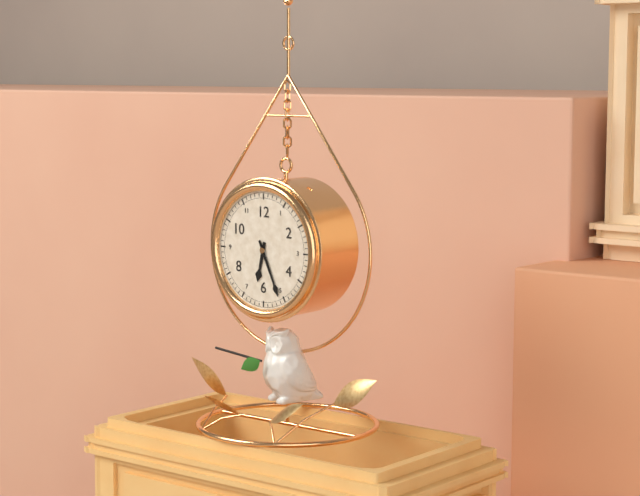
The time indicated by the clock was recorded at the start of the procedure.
6:26
